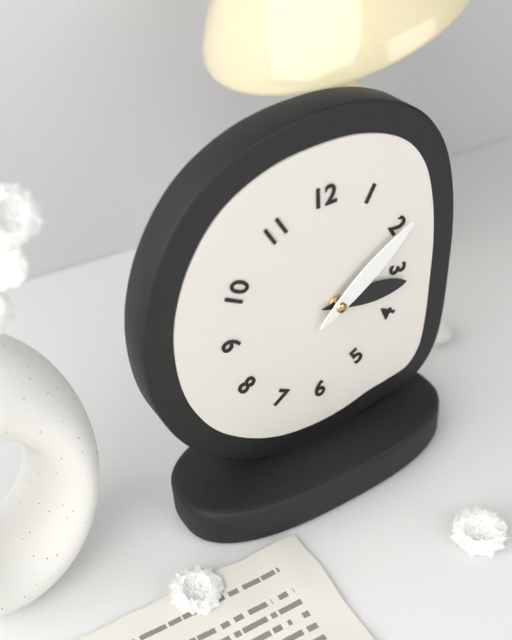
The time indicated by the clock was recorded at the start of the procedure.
3:09
